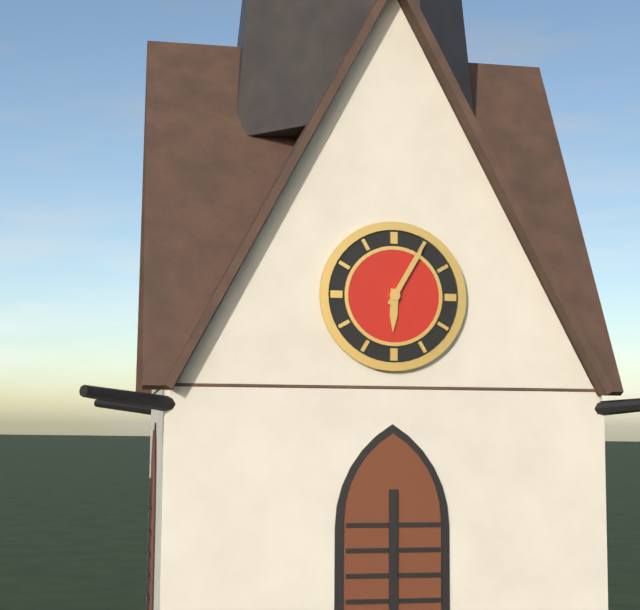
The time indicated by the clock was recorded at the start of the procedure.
6:05
